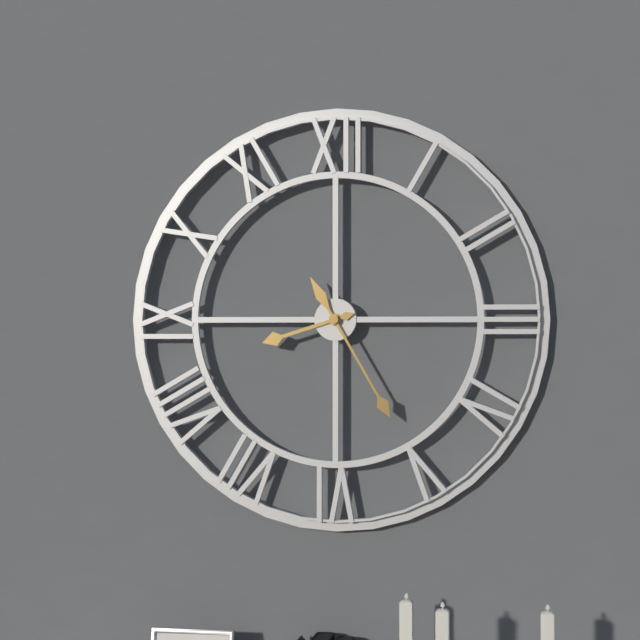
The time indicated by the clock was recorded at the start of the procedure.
8:25
